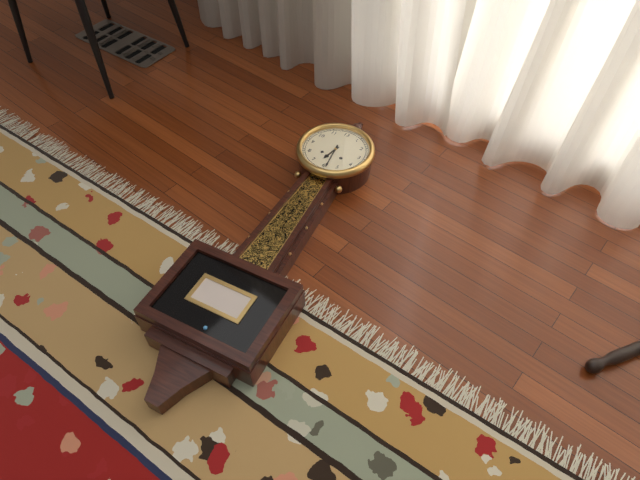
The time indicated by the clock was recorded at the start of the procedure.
6:29
